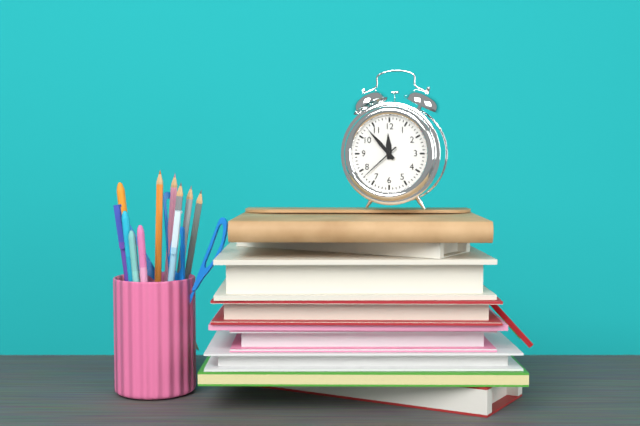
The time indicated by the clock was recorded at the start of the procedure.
11:53
